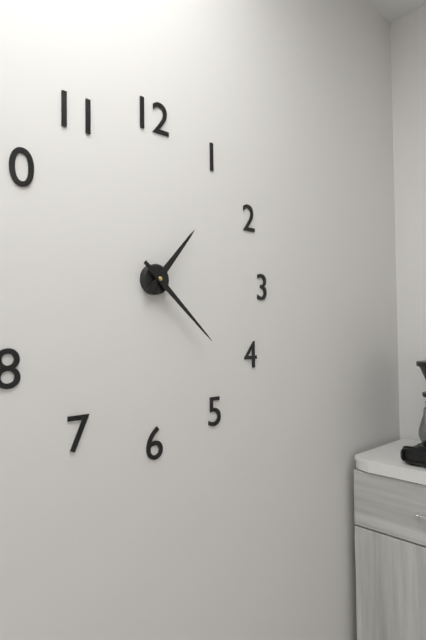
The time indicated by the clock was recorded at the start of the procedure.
1:22
